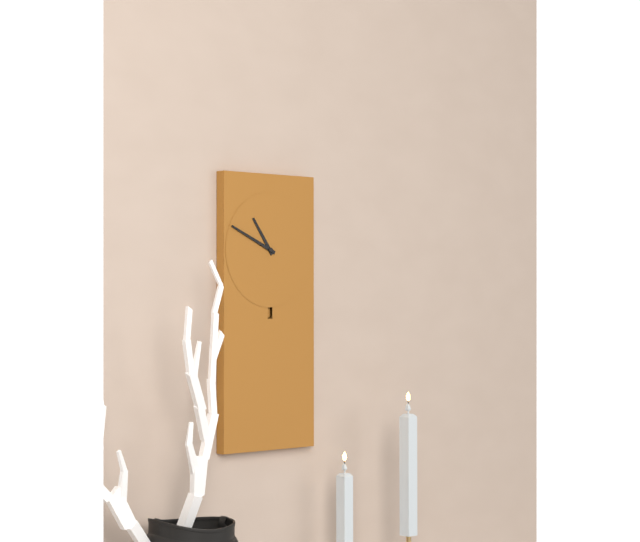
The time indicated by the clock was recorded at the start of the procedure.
10:49
